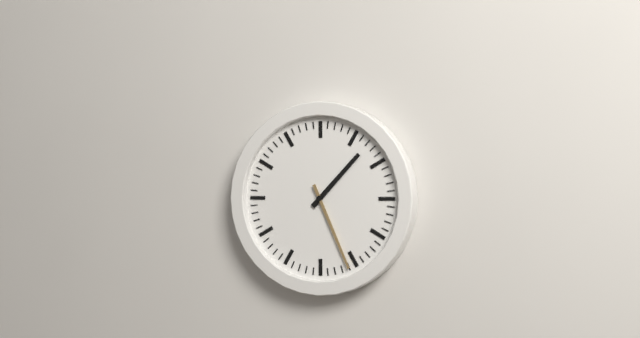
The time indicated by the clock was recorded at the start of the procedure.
1:26
